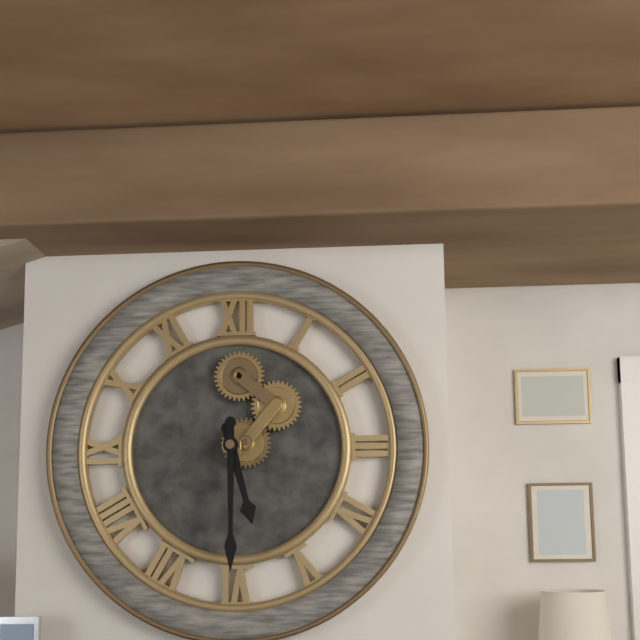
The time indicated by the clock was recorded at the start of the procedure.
5:30
